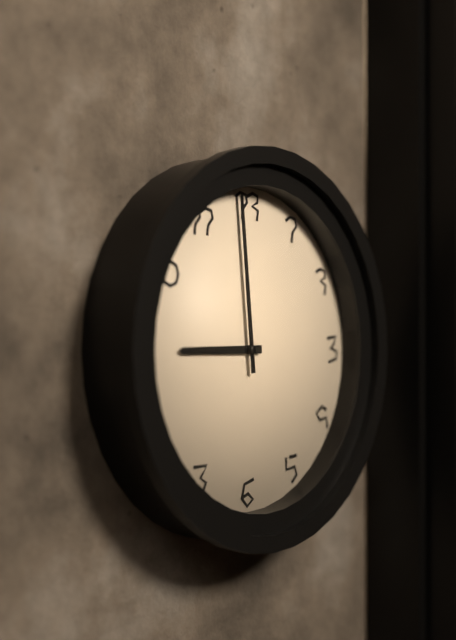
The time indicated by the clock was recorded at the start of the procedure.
8:59
